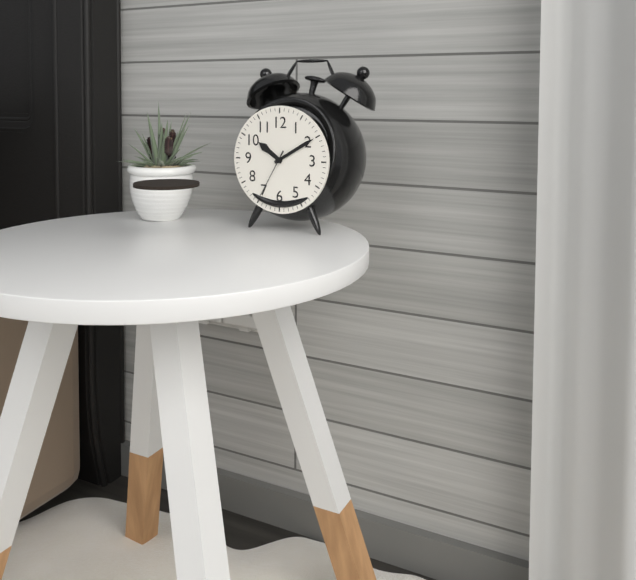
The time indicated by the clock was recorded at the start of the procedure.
10:10:35
